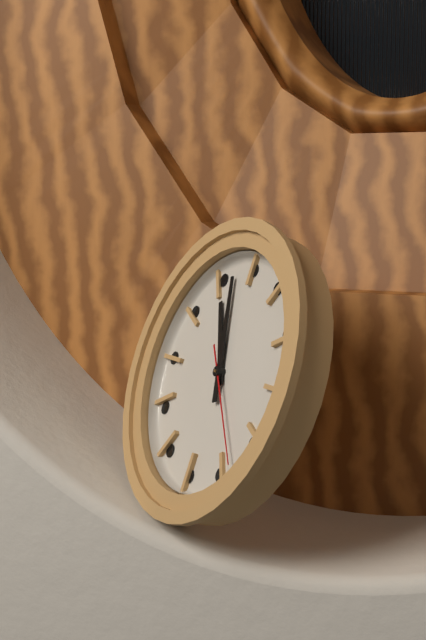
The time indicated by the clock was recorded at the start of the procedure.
10:57:23
